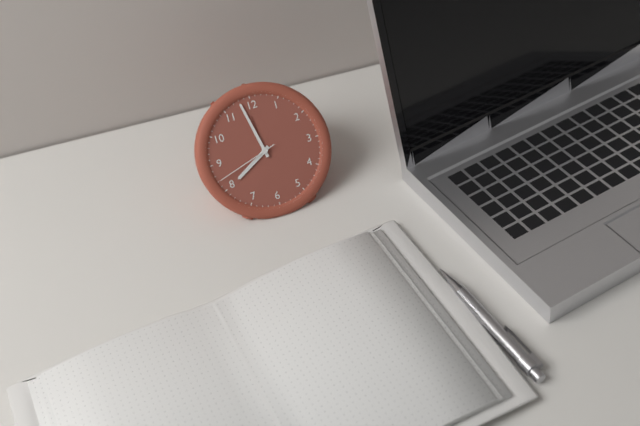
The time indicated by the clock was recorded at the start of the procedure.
7:58:42
